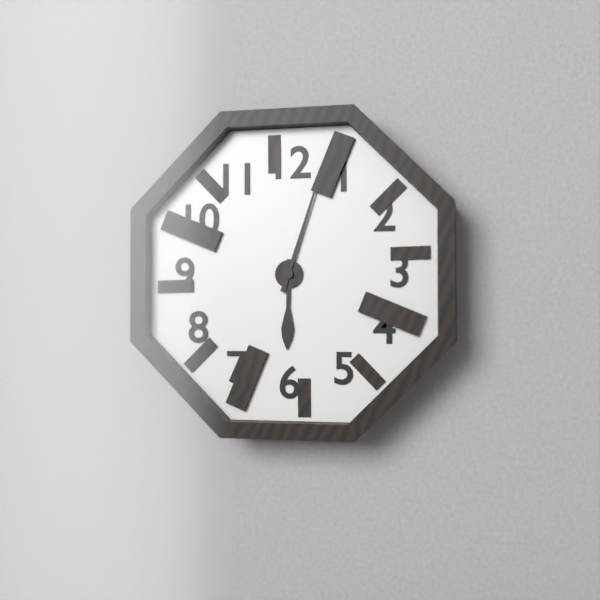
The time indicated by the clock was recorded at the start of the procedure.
6:03
